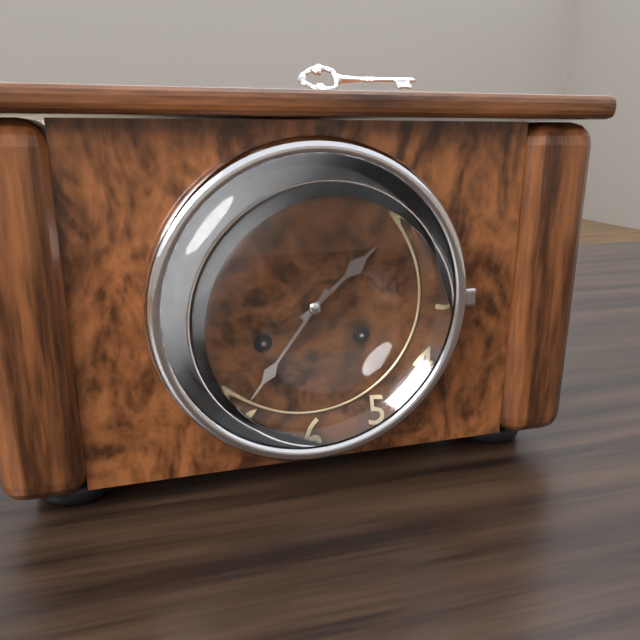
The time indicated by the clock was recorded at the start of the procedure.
1:36
